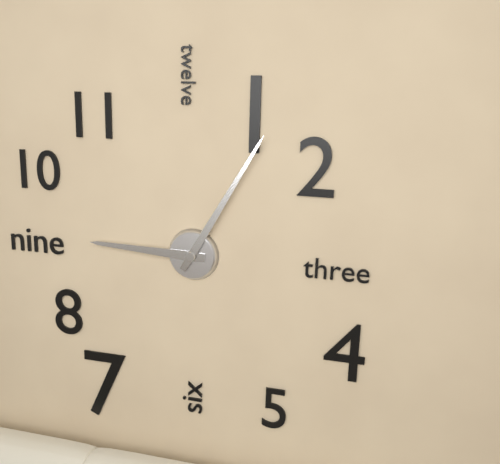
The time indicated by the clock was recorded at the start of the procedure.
9:05
